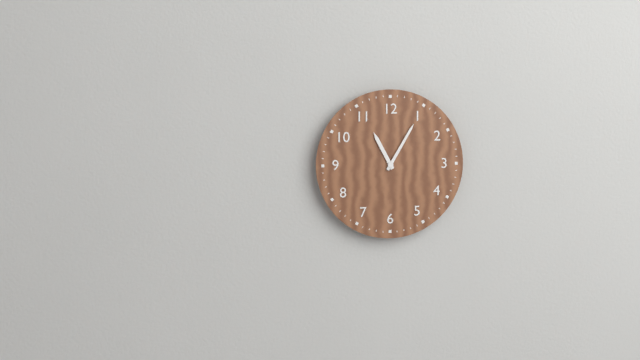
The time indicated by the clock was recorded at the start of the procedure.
11:05
